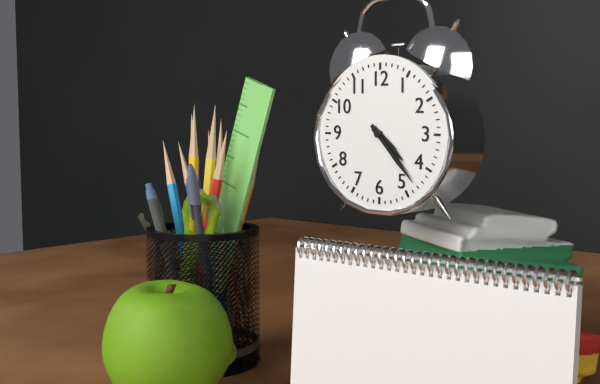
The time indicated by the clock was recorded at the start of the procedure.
4:23
